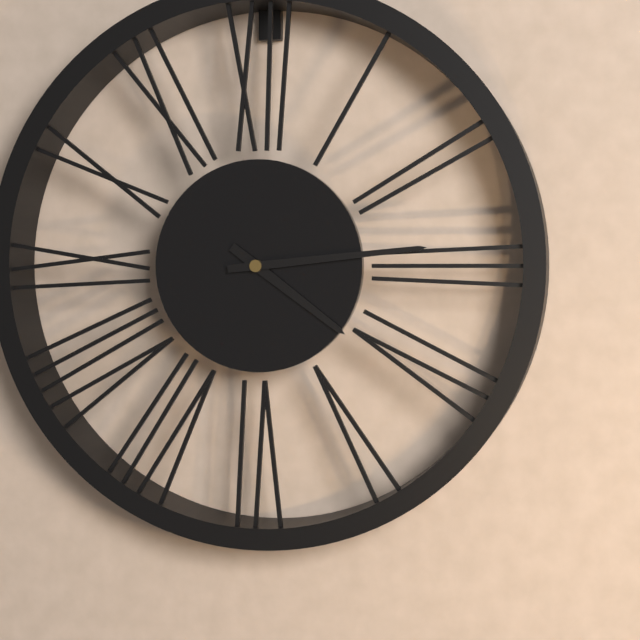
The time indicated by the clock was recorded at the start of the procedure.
4:14
